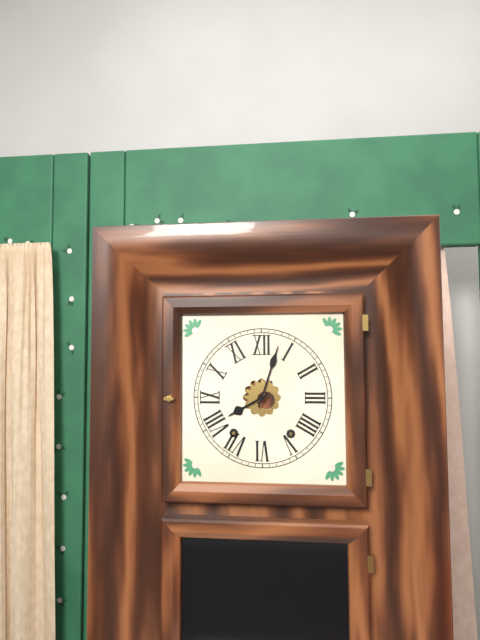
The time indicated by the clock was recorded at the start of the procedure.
8:03
